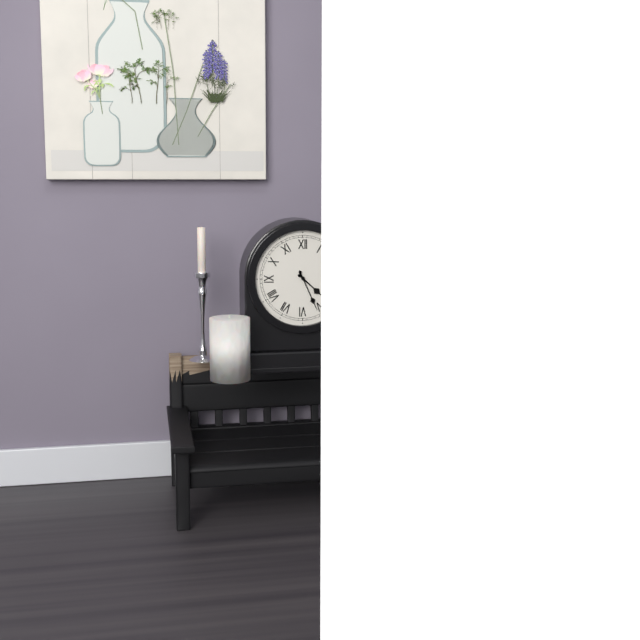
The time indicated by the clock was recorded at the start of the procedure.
4:26
